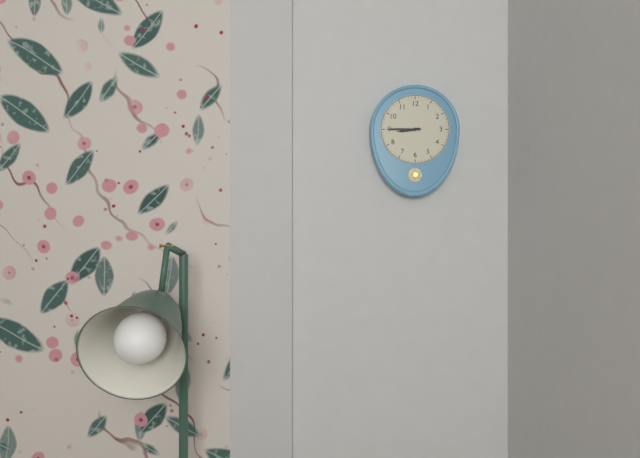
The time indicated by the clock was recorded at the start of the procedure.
8:45
